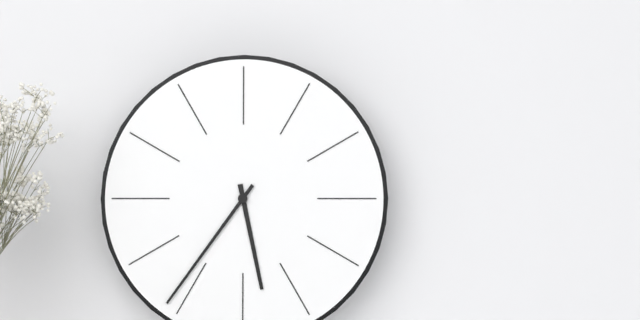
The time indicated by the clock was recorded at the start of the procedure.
5:36
